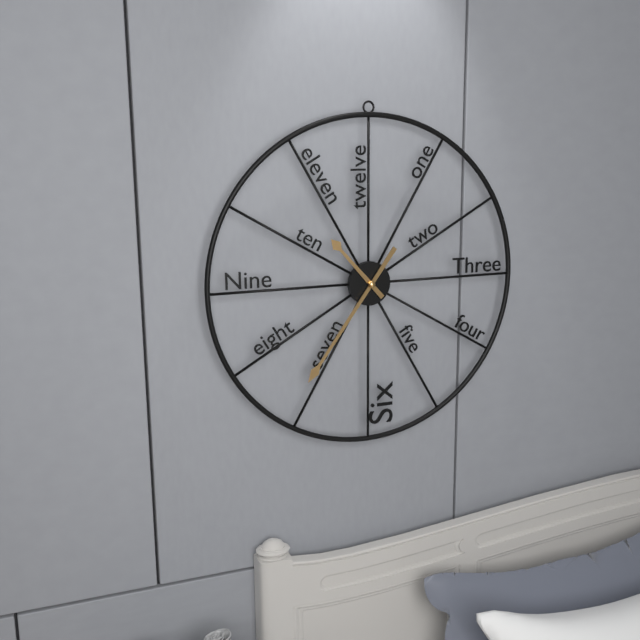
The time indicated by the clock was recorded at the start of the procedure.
10:36
